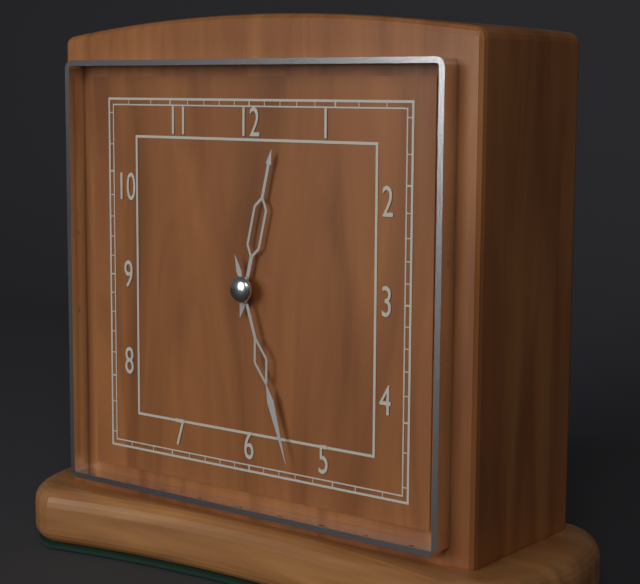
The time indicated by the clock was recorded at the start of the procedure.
12:27
